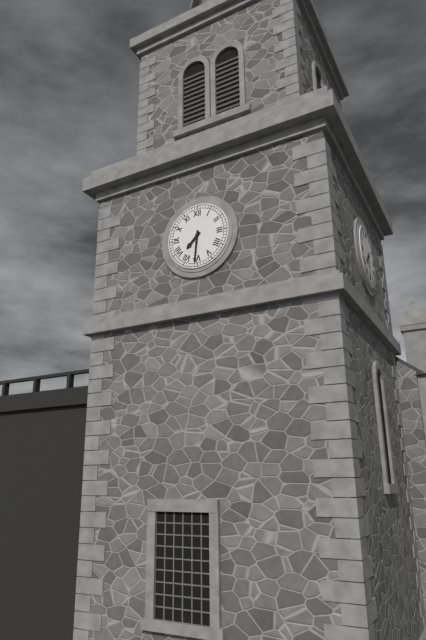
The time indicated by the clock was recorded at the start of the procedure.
7:31
